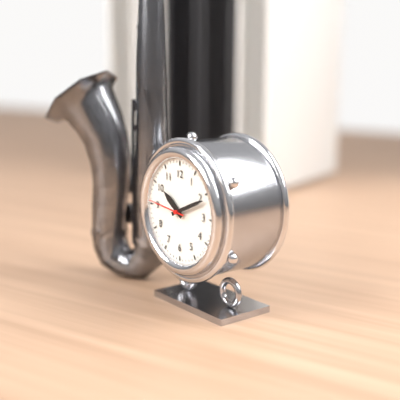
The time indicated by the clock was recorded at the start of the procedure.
10:11
